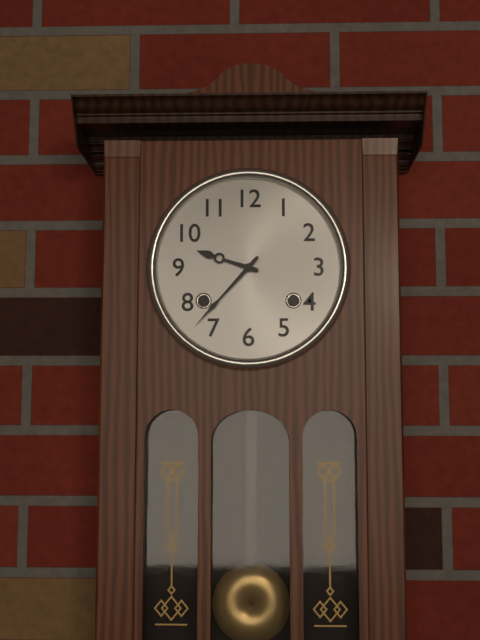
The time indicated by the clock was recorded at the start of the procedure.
9:37
